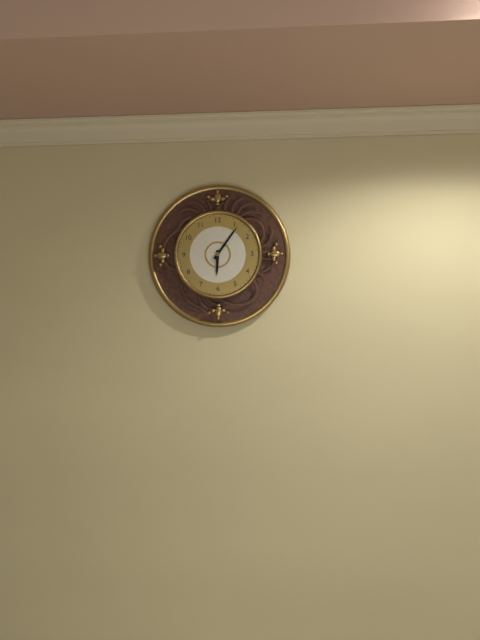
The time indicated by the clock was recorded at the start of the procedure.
6:06
